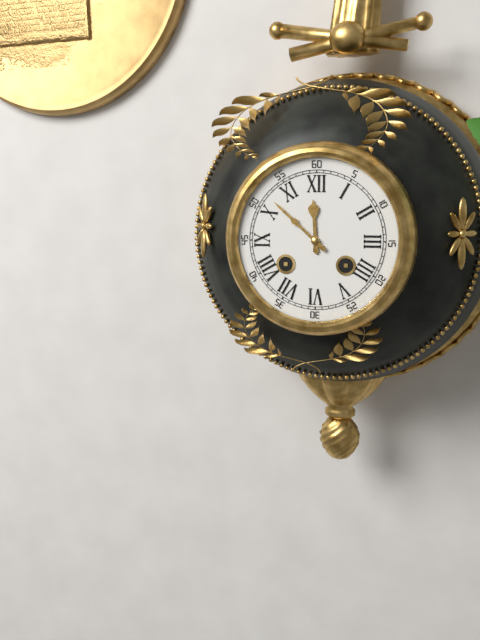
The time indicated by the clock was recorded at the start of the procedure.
11:52
